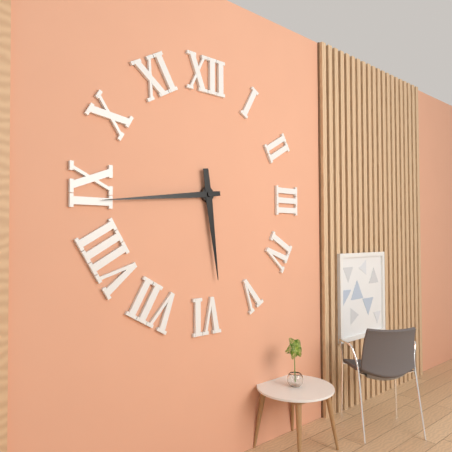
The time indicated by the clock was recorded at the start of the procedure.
5:44
